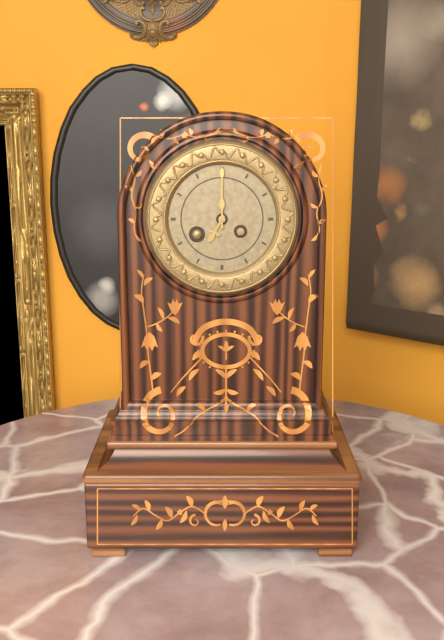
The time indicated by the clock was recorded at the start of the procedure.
7:00
